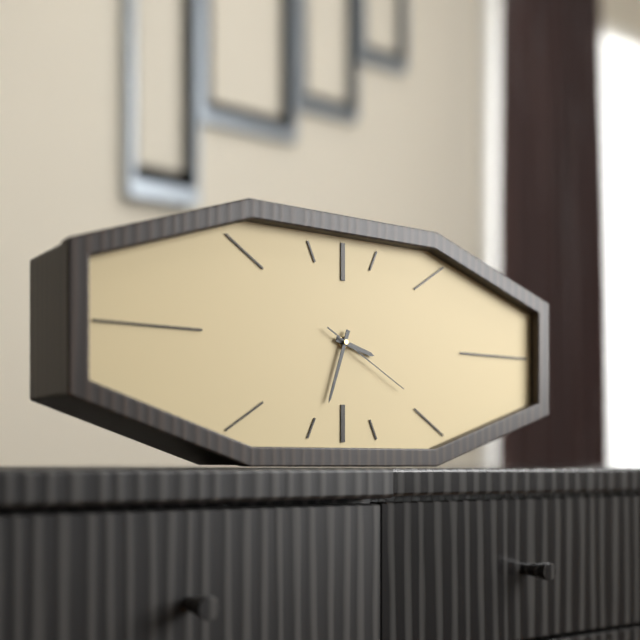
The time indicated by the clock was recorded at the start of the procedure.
3:33:20
